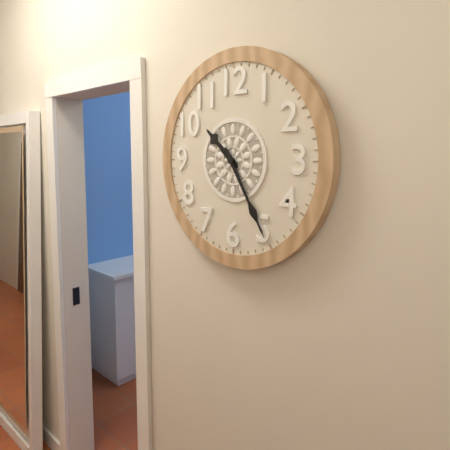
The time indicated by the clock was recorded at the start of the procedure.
10:25
